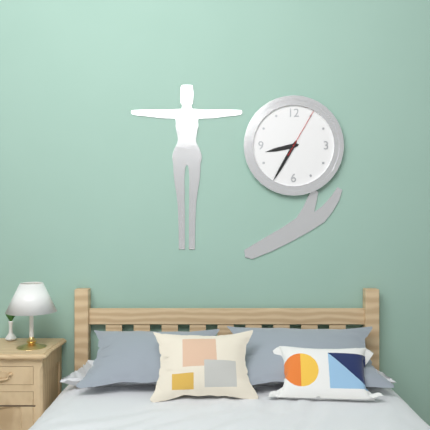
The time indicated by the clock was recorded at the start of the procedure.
8:35:05
